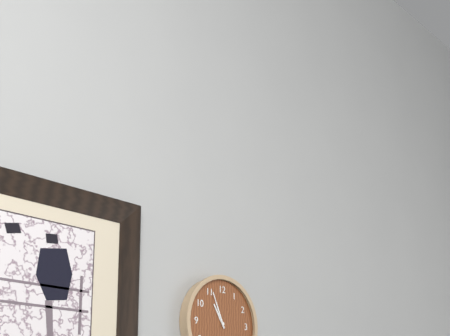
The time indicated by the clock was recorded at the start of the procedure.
10:56
